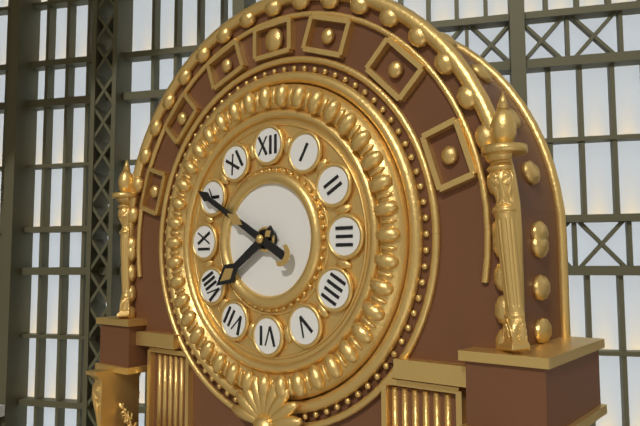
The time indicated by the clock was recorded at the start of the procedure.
7:50
